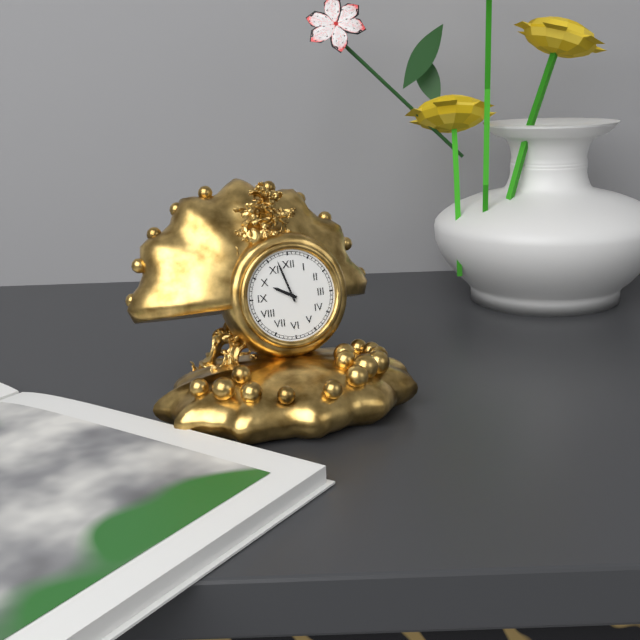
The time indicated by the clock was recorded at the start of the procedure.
9:57
